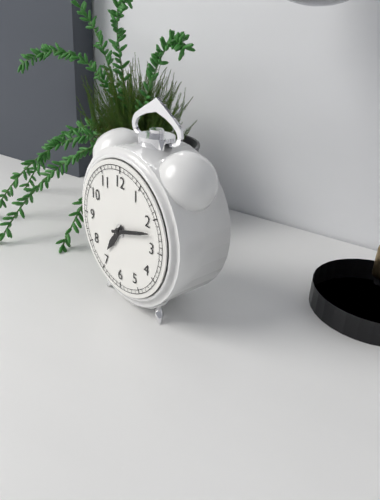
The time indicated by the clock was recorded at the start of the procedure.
7:12
